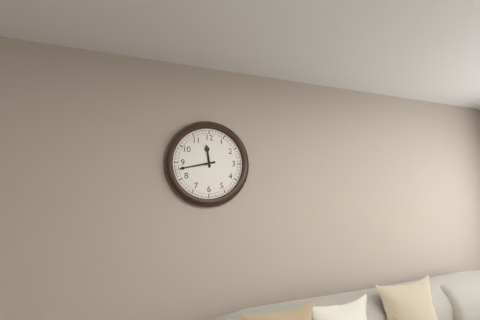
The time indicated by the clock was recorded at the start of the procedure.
11:43
